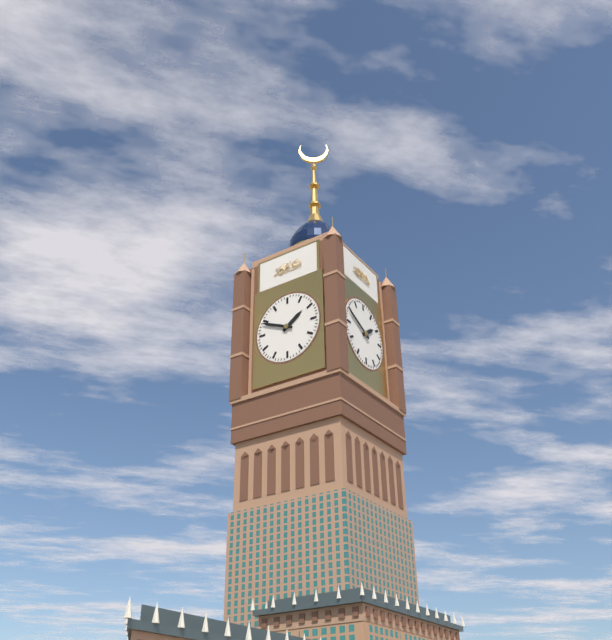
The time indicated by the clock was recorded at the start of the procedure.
1:49
